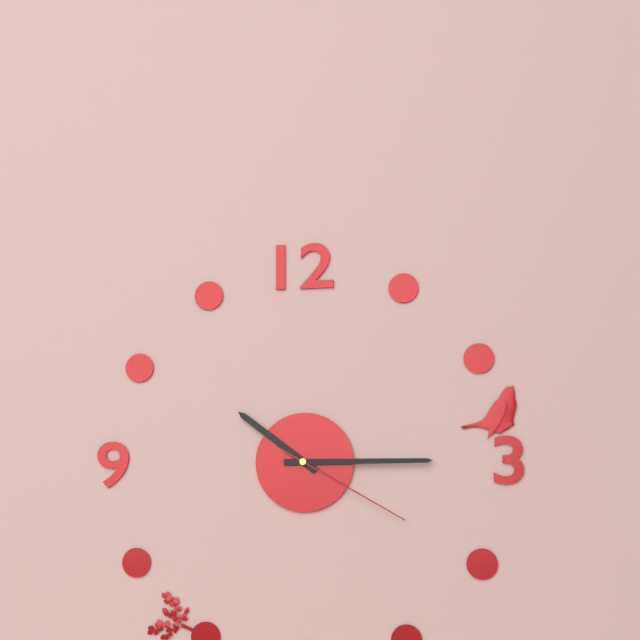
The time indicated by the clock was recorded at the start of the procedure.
10:15:20
